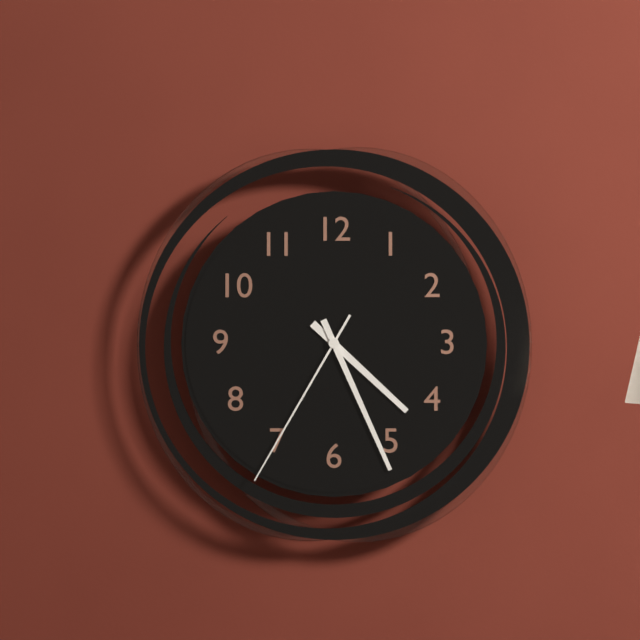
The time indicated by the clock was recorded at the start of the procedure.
4:26:35
